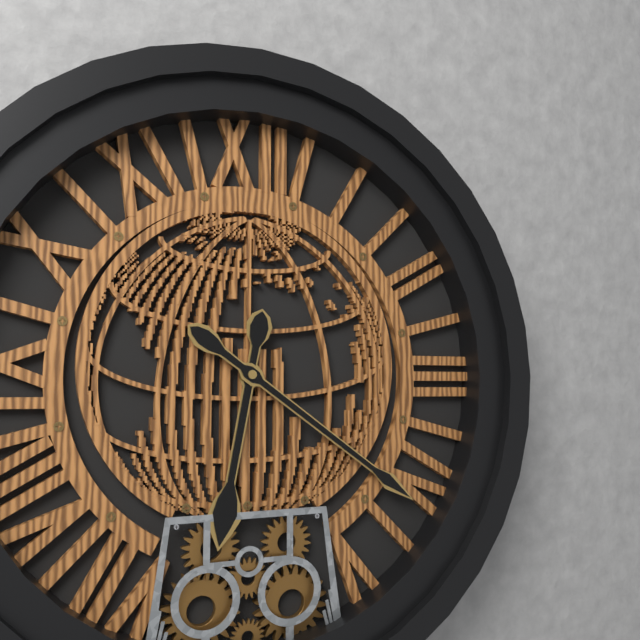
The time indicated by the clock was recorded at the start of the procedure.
6:21
